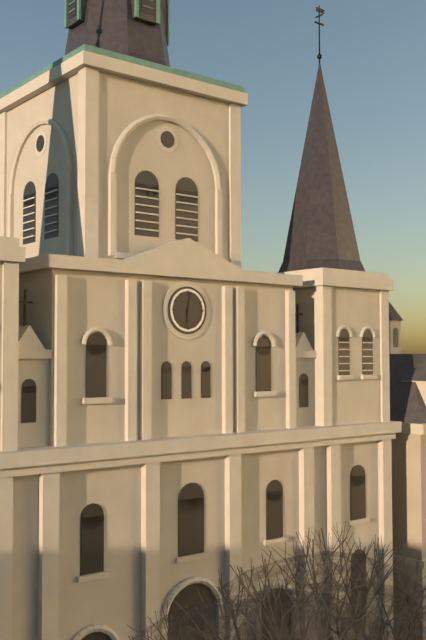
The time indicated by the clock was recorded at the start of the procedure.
6:02
